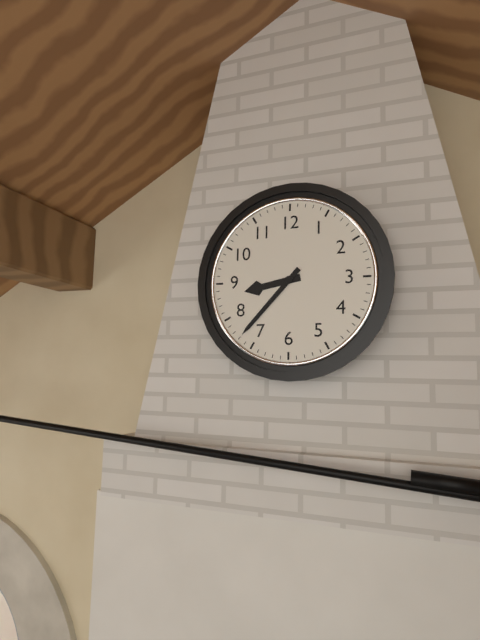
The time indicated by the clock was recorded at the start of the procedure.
8:37
